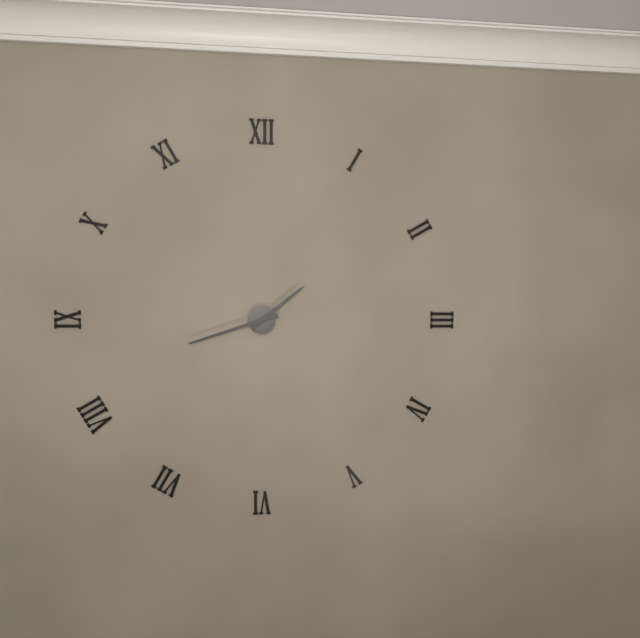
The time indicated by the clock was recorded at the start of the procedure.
1:42
